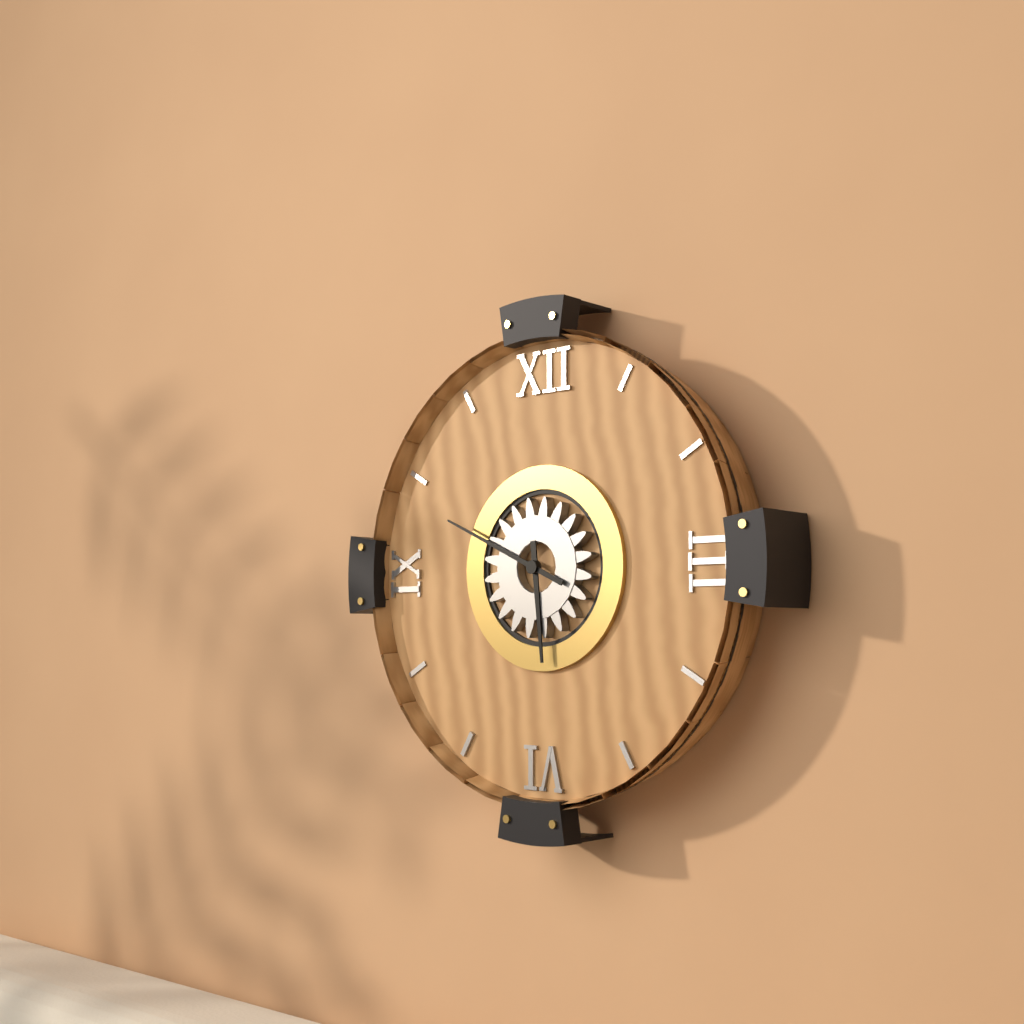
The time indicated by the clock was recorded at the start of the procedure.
5:49
